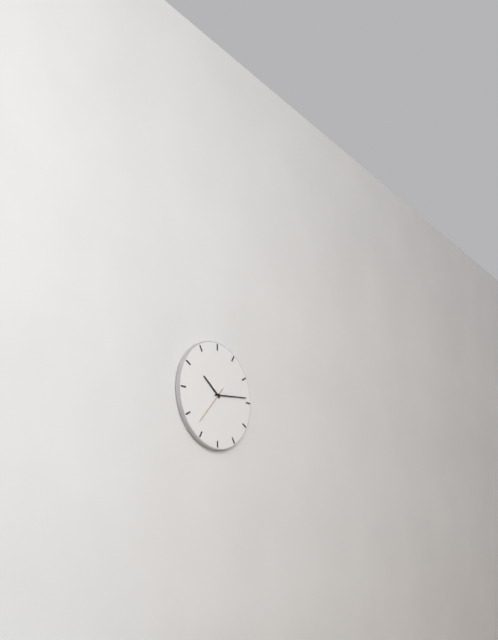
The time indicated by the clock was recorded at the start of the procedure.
10:14
